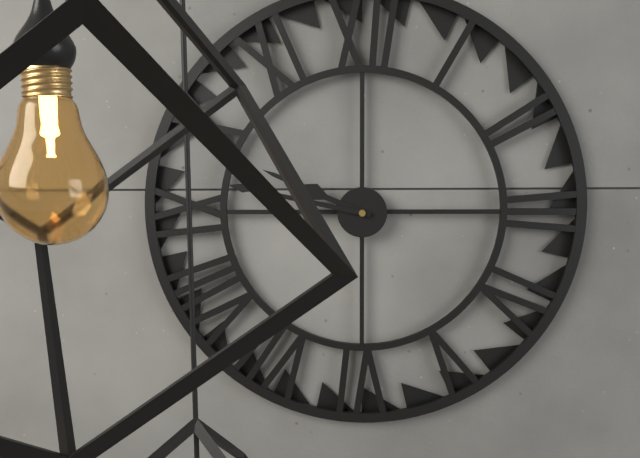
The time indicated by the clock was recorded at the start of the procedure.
9:47
